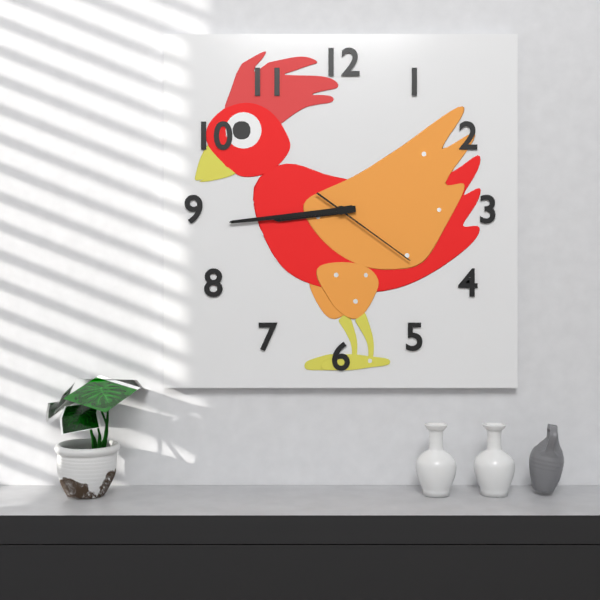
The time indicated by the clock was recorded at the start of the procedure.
8:44:21
